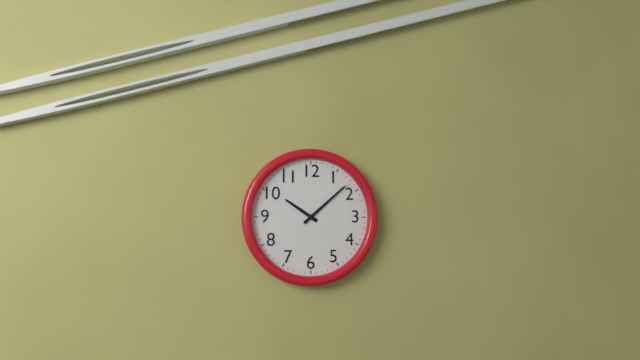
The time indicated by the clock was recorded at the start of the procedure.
10:08
